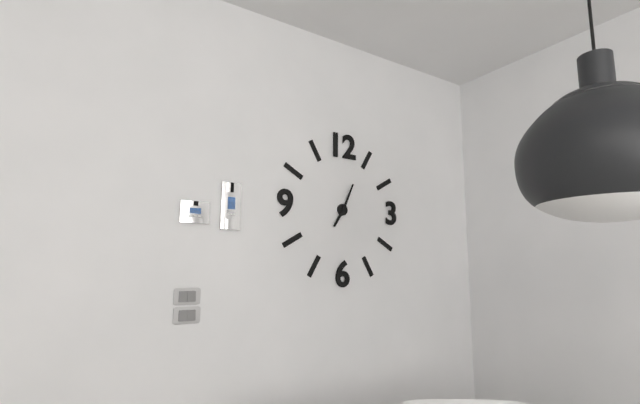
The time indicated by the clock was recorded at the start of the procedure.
7:04
